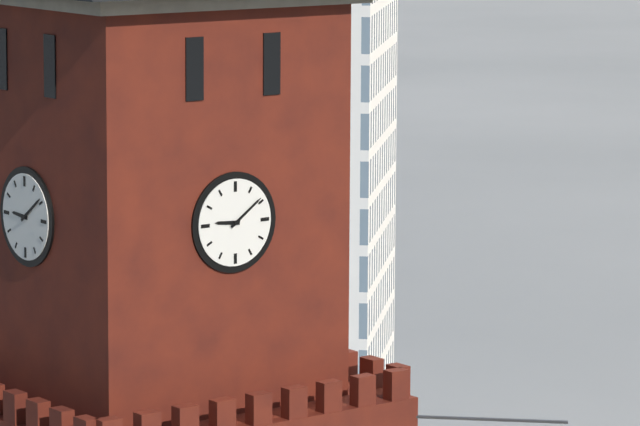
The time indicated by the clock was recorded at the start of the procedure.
9:09
